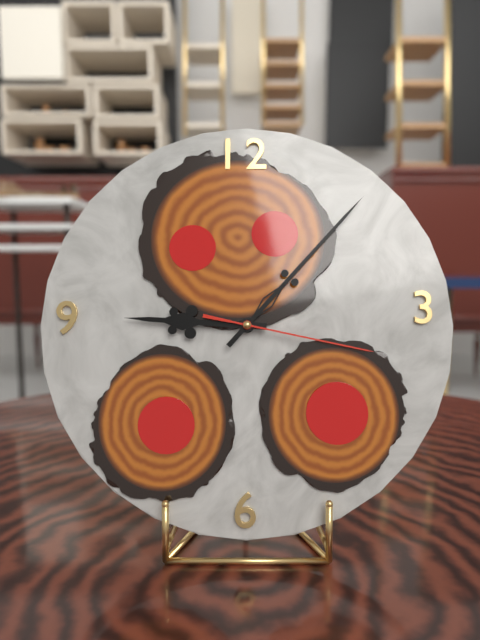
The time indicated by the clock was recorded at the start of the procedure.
9:07:17
